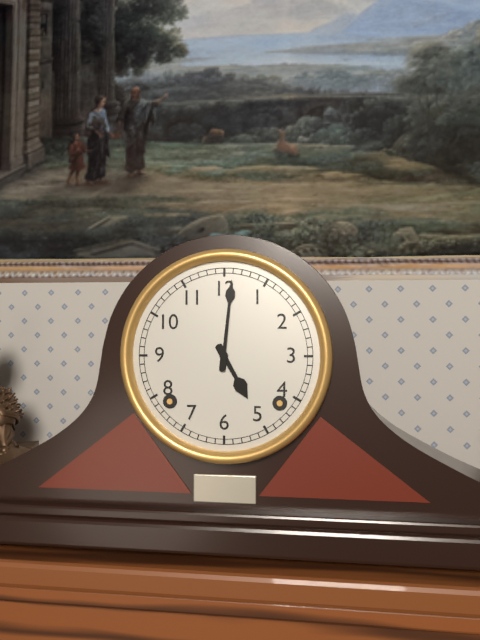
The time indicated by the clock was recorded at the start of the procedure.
5:01
